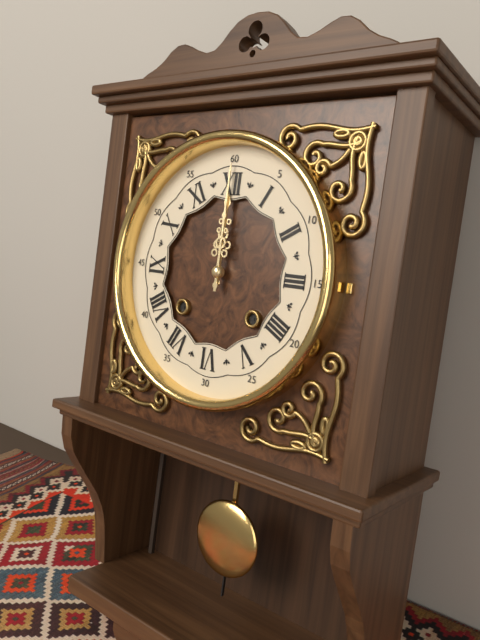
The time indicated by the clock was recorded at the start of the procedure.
12:00
